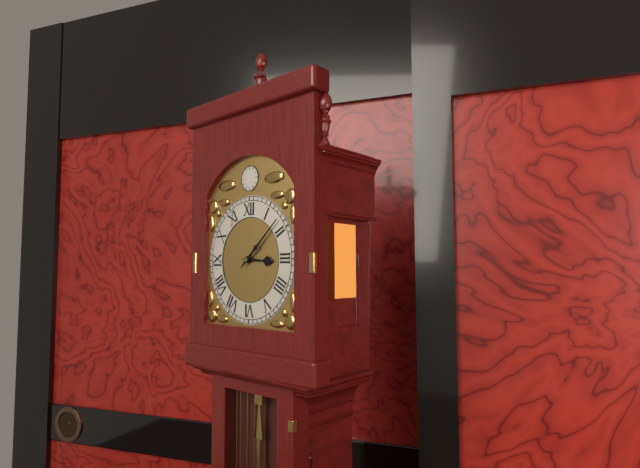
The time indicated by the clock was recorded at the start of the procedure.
3:08
